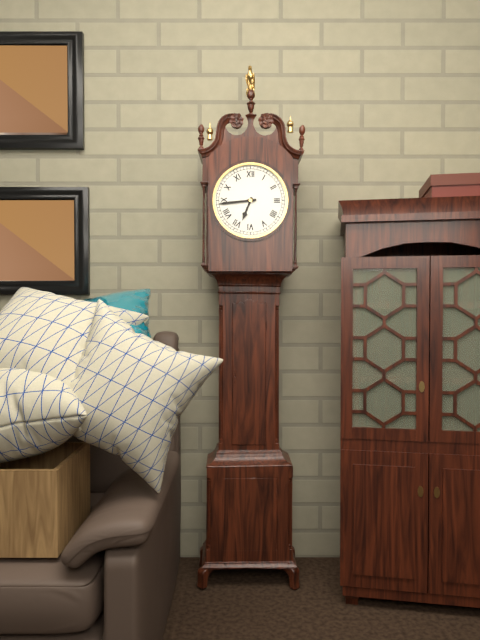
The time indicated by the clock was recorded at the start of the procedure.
6:44
